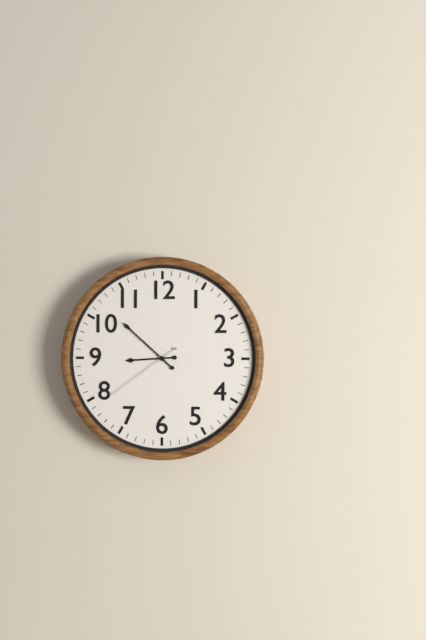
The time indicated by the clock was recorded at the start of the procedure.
8:52:39
